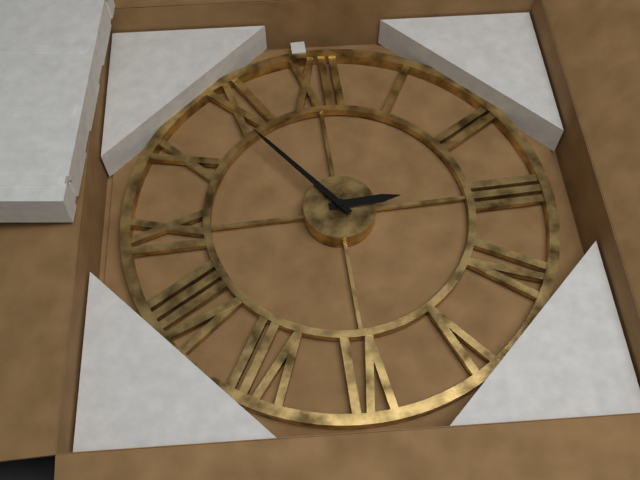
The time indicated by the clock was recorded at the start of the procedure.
2:54
